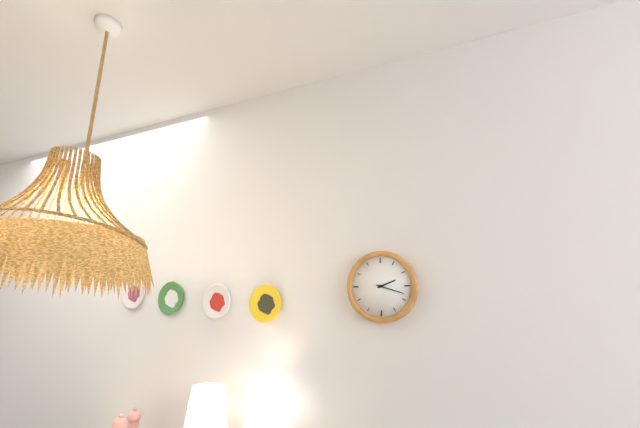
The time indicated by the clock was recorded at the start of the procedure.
2:18
